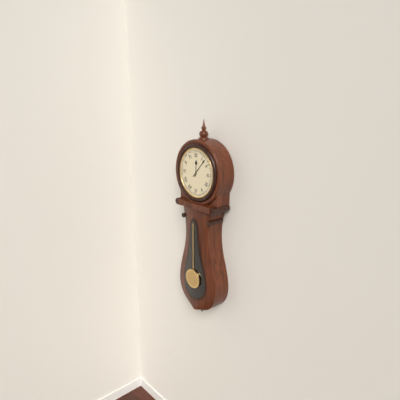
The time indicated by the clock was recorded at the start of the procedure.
12:07
